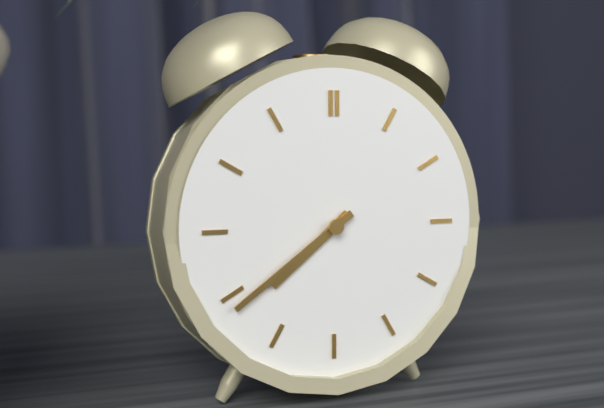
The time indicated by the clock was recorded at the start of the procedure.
7:39
